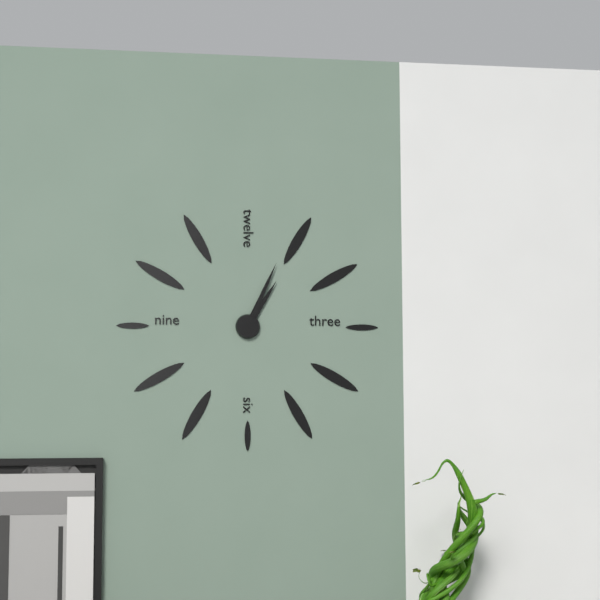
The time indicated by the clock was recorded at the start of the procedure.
1:04
